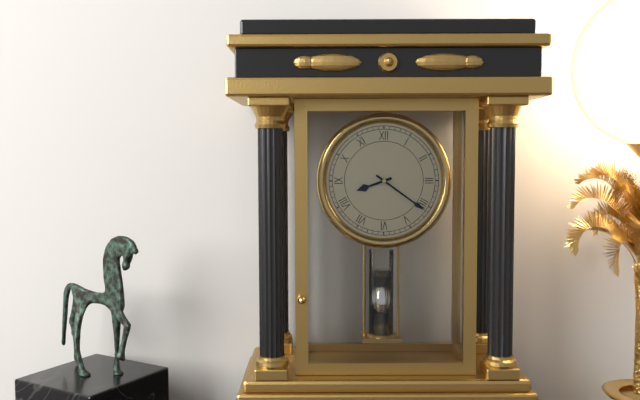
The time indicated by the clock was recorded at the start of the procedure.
8:21
